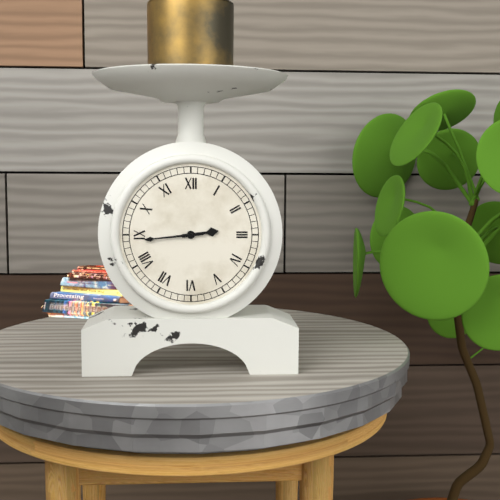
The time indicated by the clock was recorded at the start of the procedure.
2:44
